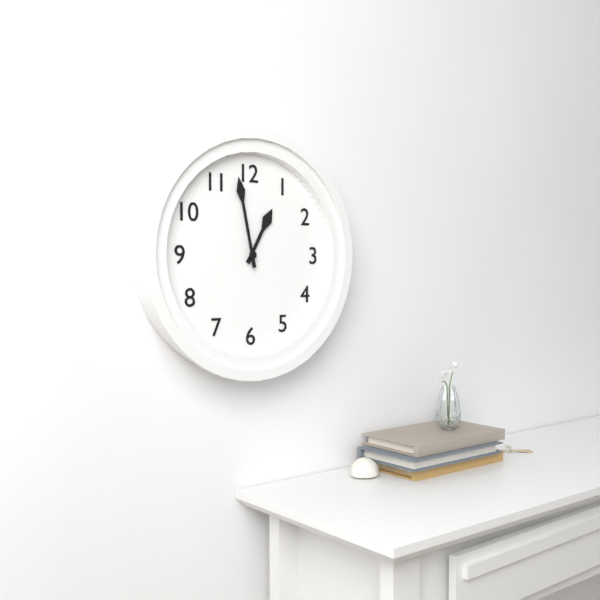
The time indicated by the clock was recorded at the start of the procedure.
12:58
